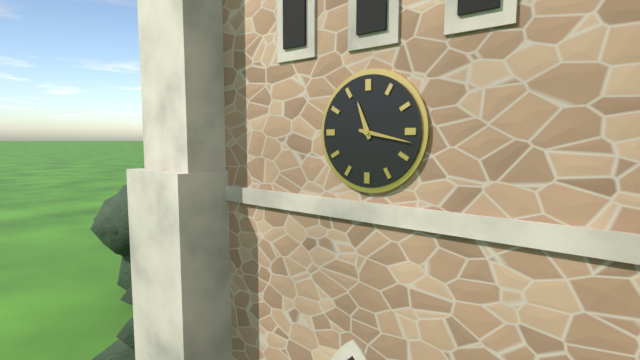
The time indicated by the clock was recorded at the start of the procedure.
11:17
